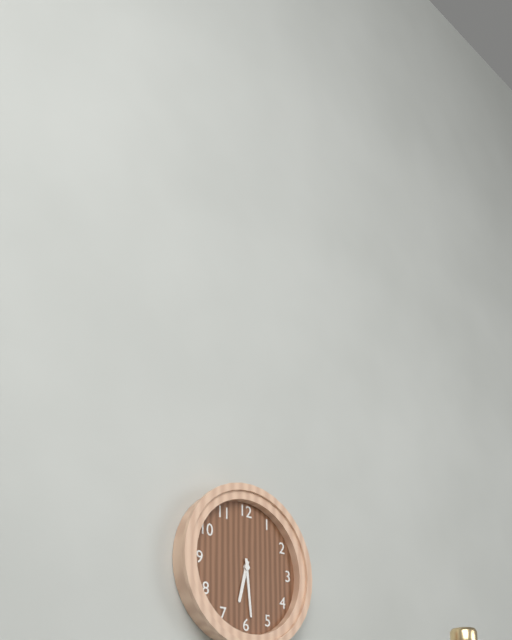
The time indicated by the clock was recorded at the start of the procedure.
6:29
